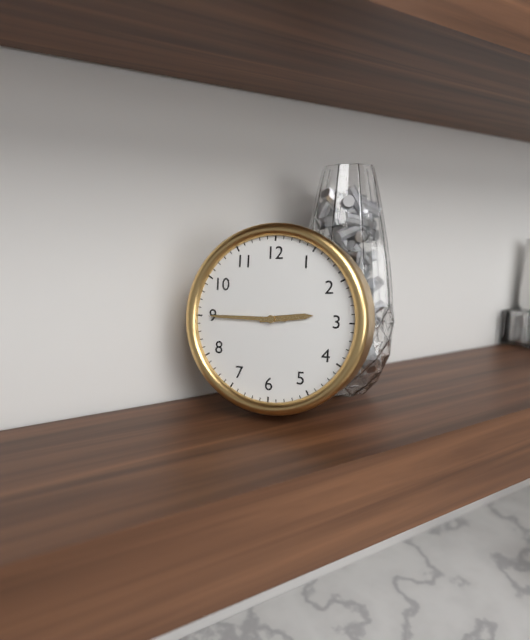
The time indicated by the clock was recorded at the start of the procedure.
2:45
